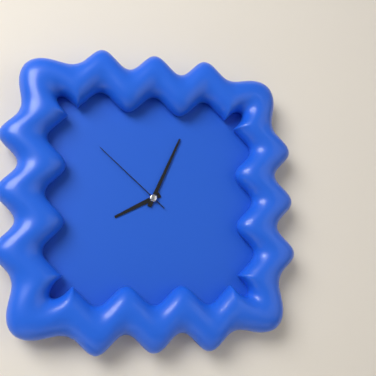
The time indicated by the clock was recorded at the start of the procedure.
8:04:52
